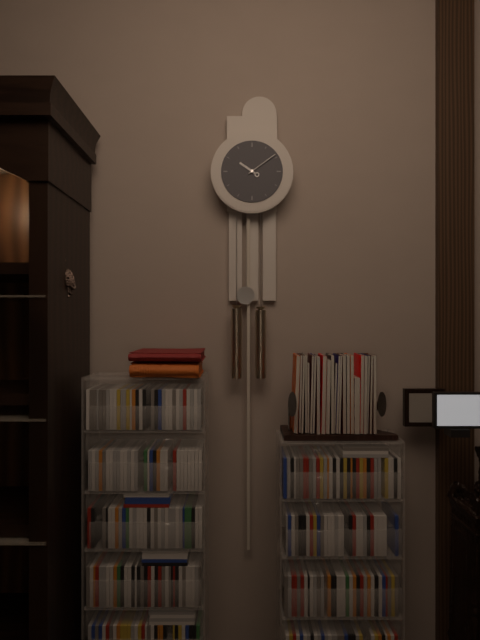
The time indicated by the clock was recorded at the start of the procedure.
10:09
